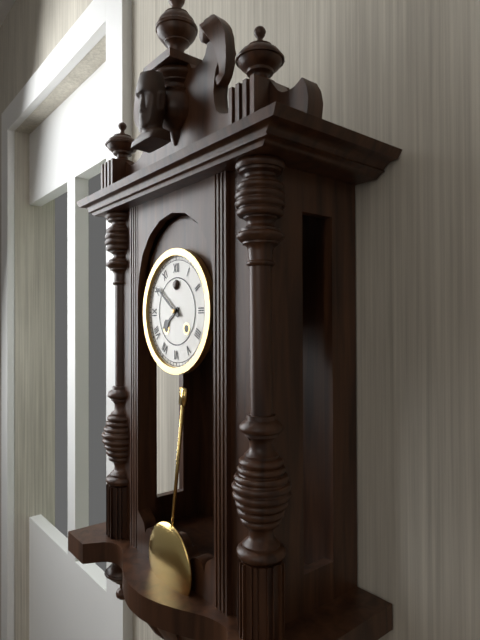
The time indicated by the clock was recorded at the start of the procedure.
7:51
